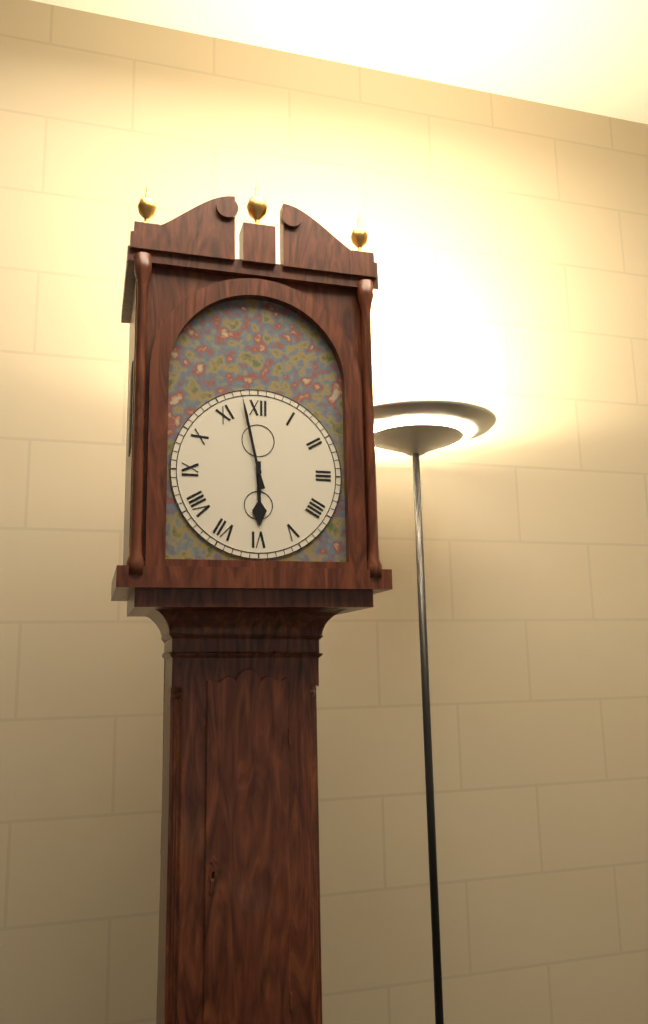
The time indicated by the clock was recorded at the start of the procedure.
5:58
